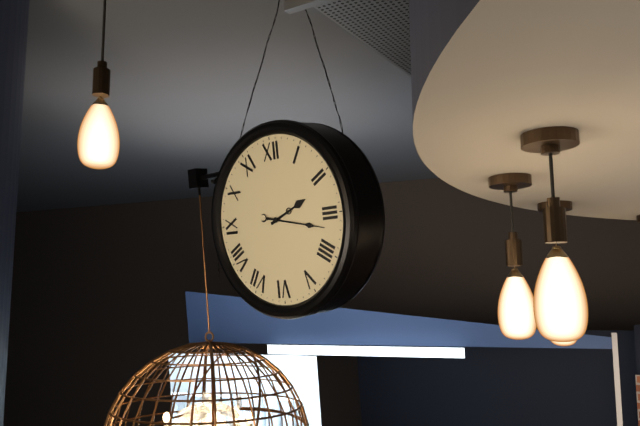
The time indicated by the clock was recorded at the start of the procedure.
2:17
